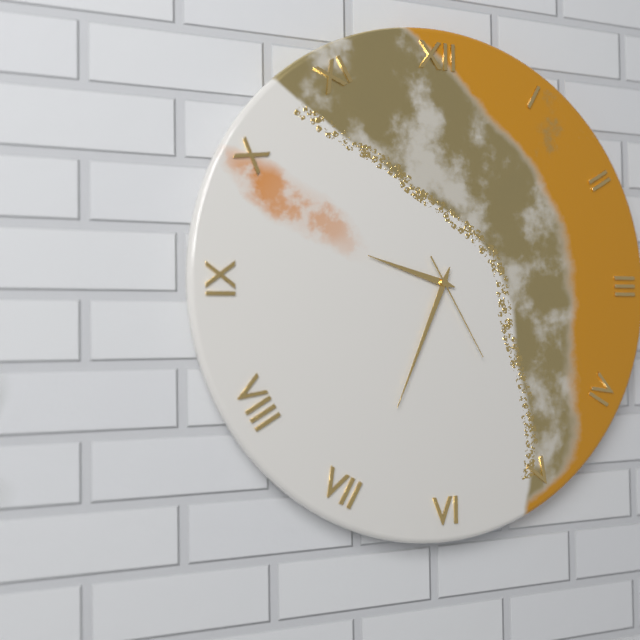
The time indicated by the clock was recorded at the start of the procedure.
9:34:25
